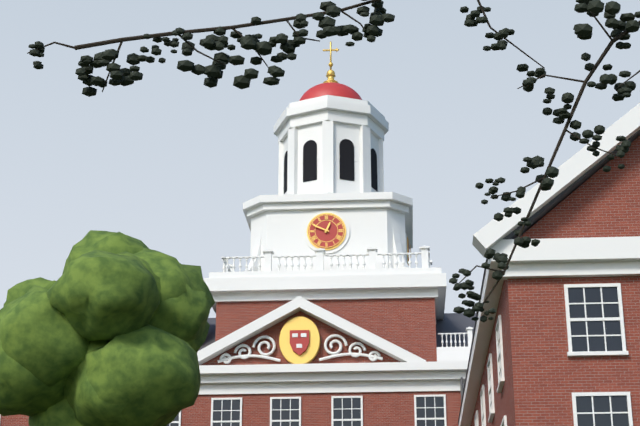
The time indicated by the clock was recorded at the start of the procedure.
12:49
